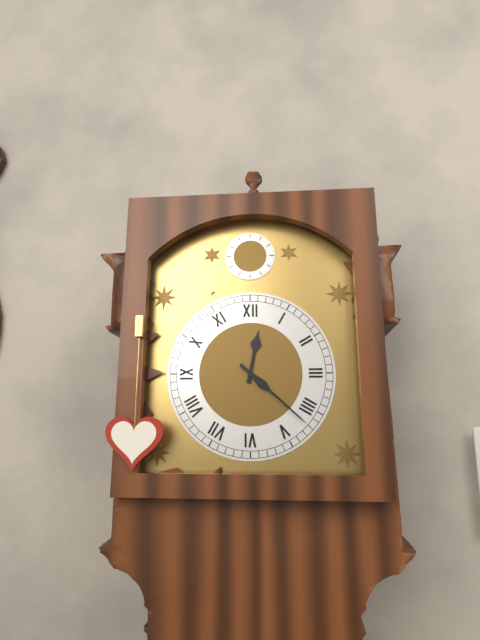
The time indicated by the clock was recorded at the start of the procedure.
12:22
